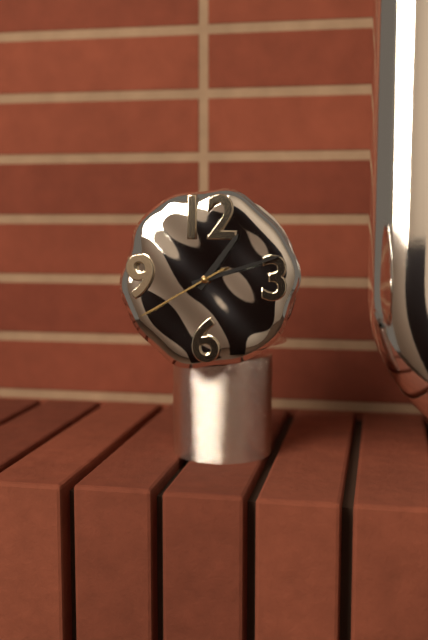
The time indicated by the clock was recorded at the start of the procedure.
1:12:40
